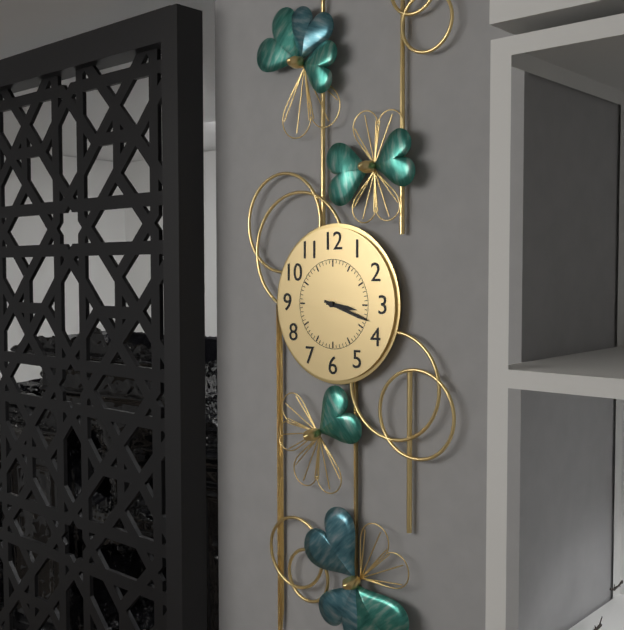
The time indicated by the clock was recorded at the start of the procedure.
3:18
